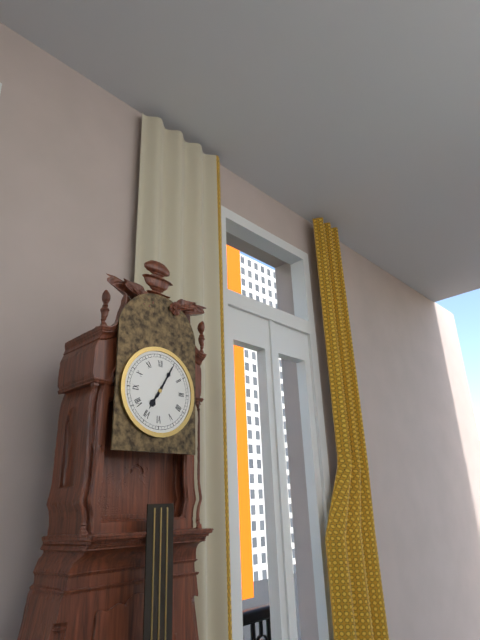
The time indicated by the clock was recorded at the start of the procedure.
7:05
